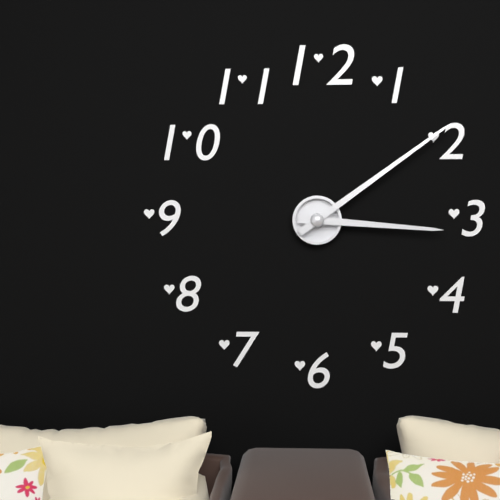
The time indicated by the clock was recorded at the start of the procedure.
3:09
